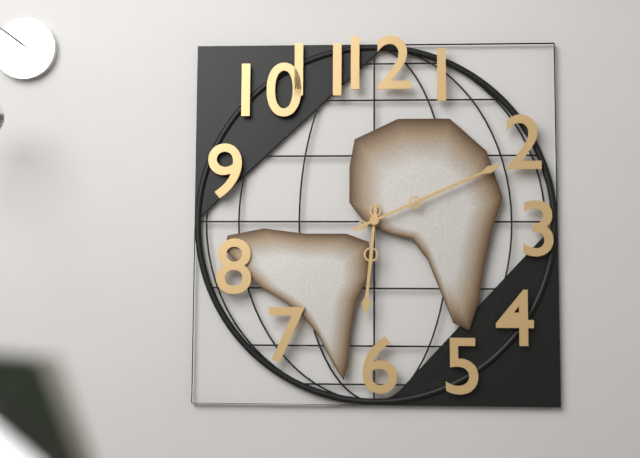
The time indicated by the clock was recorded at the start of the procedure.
6:11
